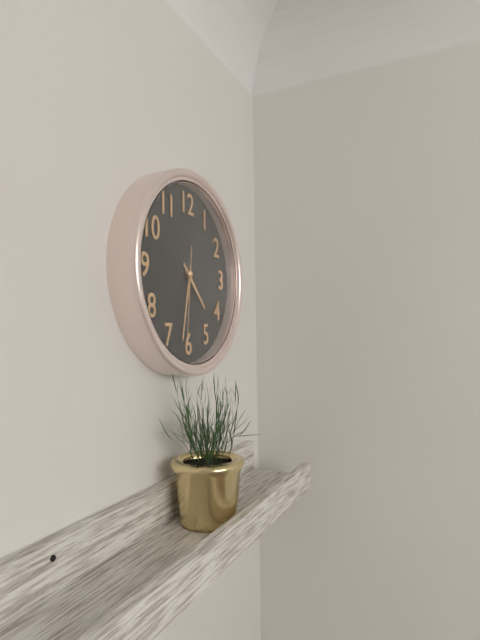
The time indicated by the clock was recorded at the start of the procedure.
4:32:31
